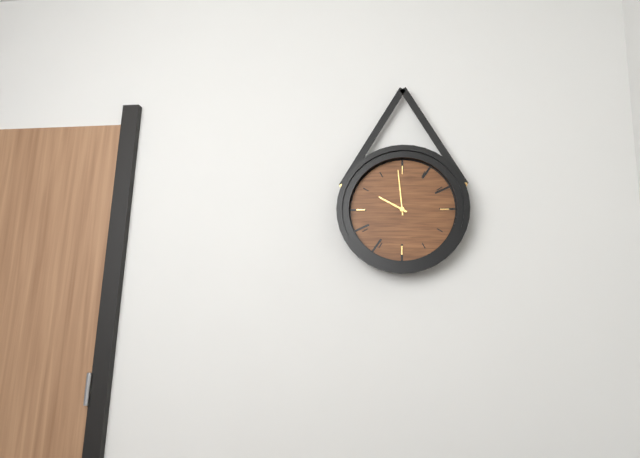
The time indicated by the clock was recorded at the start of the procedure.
9:59
